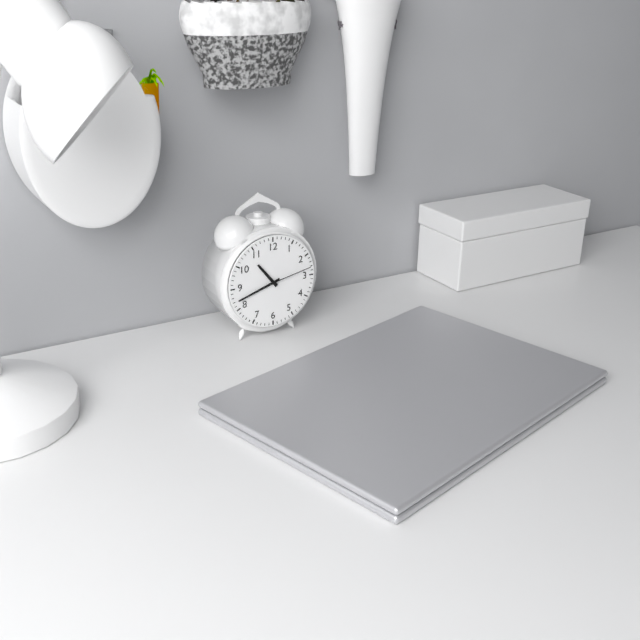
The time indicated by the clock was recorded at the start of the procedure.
10:42
